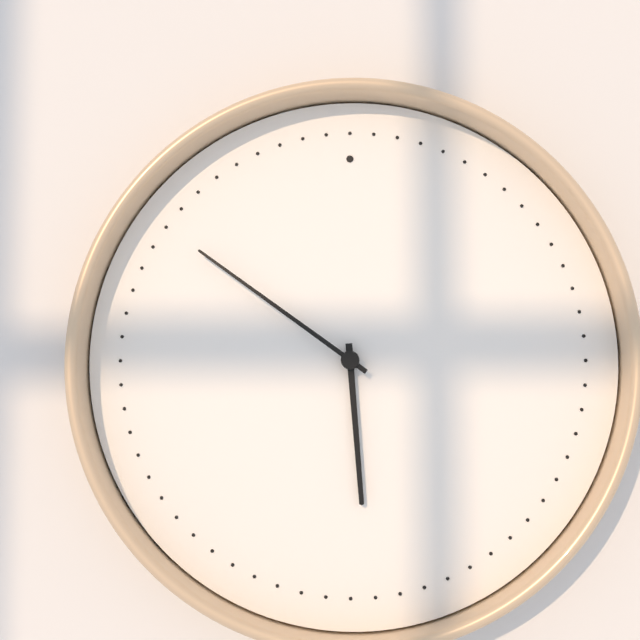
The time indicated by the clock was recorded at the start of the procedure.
5:51
